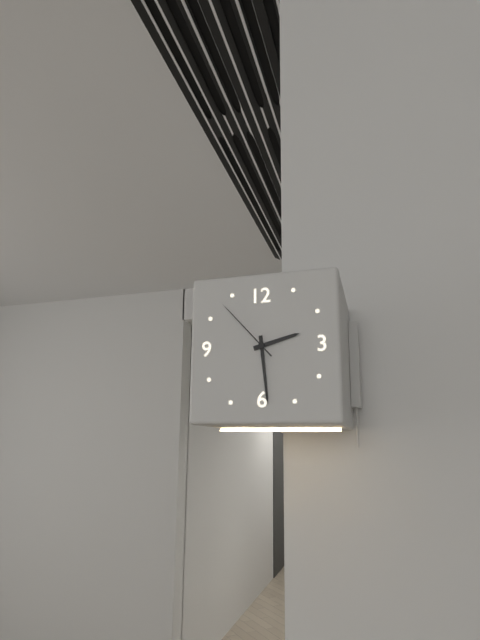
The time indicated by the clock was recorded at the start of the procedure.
2:29:53
